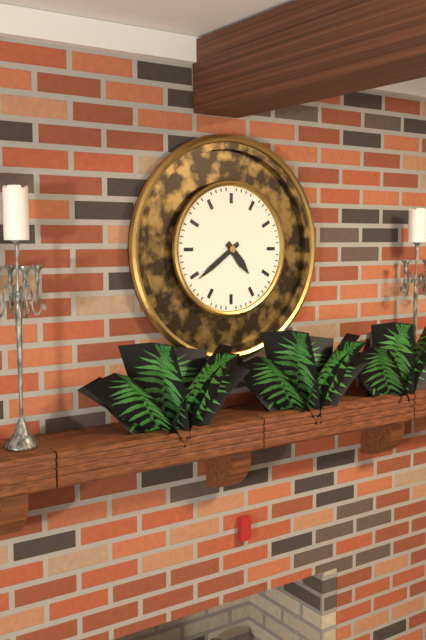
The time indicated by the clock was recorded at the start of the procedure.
4:39
